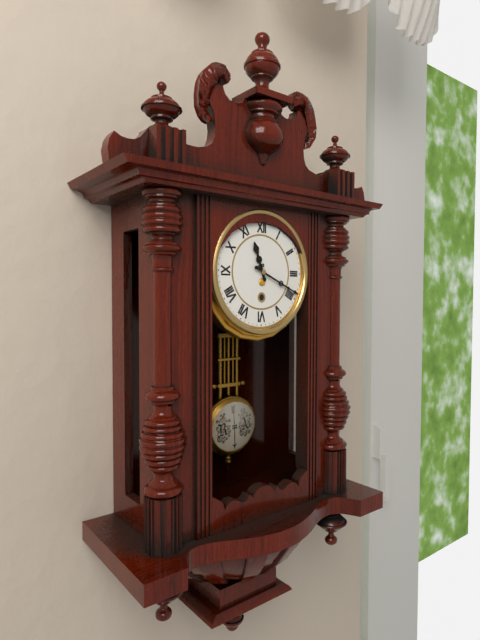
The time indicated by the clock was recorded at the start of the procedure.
11:19
